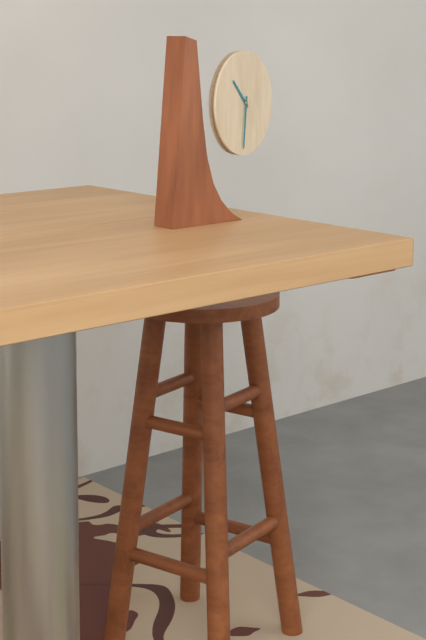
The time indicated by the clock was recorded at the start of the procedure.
10:31
